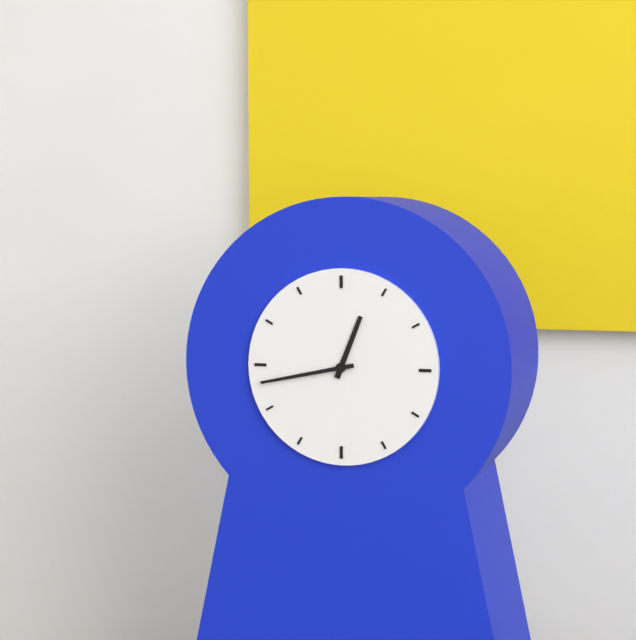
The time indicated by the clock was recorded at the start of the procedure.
12:43
